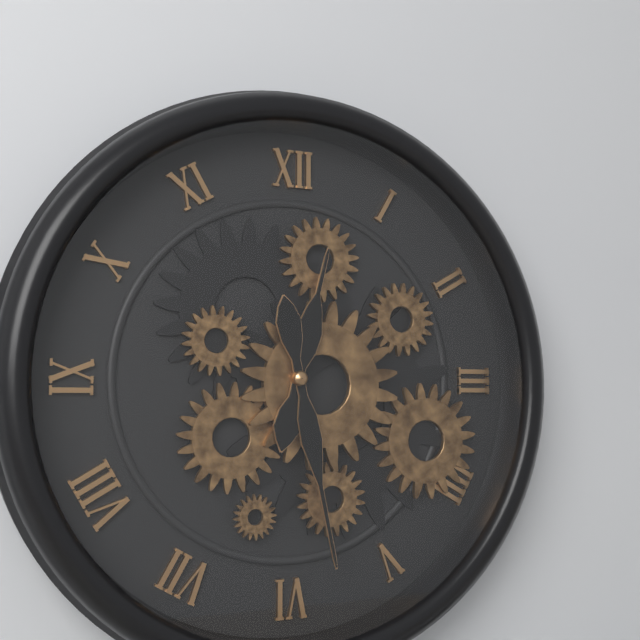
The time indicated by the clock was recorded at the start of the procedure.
12:28
